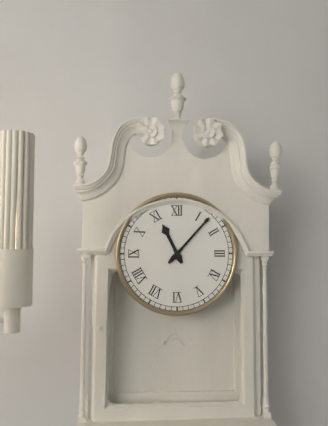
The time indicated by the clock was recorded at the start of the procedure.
11:07
